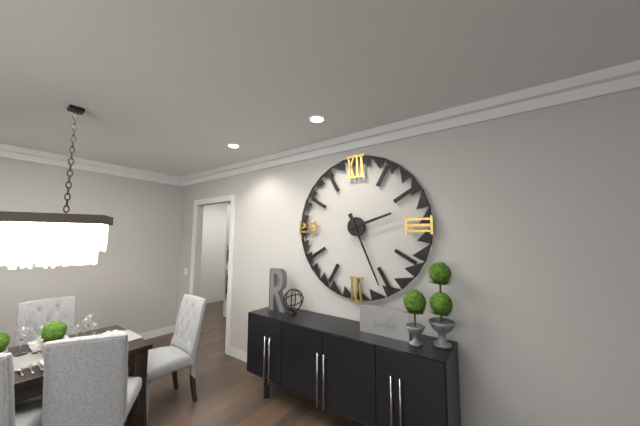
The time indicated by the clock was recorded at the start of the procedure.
2:26
